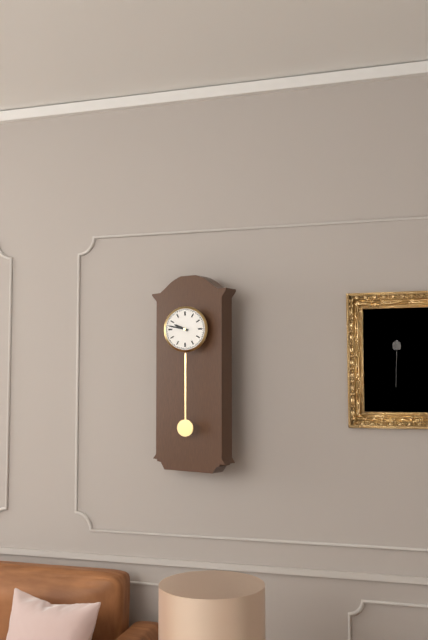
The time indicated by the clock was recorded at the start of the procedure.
9:47
